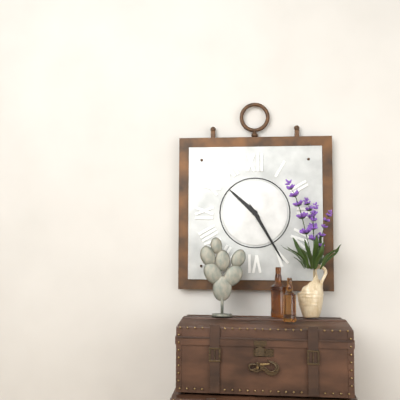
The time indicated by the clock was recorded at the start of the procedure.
10:25
